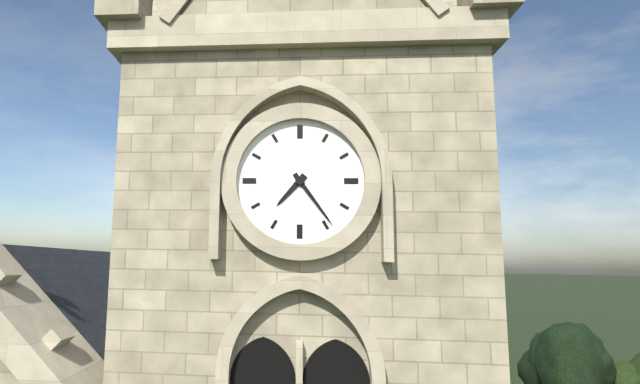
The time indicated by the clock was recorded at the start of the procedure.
7:24
